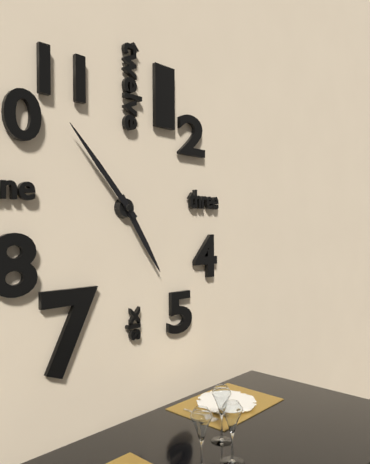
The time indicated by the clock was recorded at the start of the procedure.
4:53
